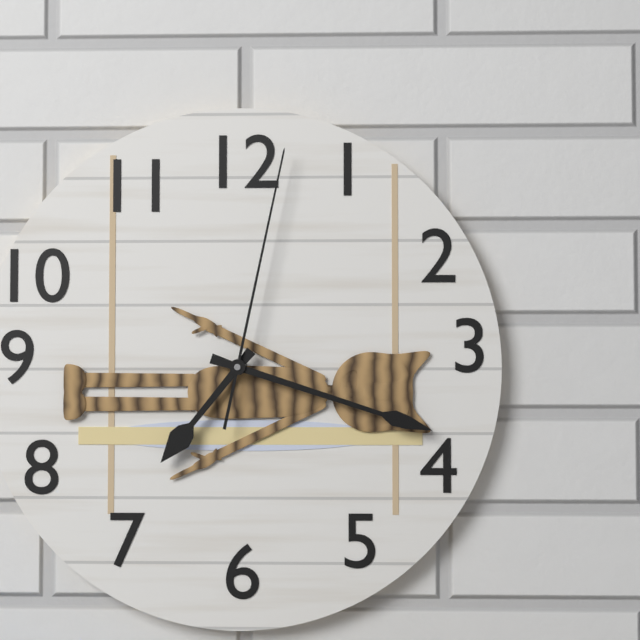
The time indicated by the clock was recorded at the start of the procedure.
7:18:02
